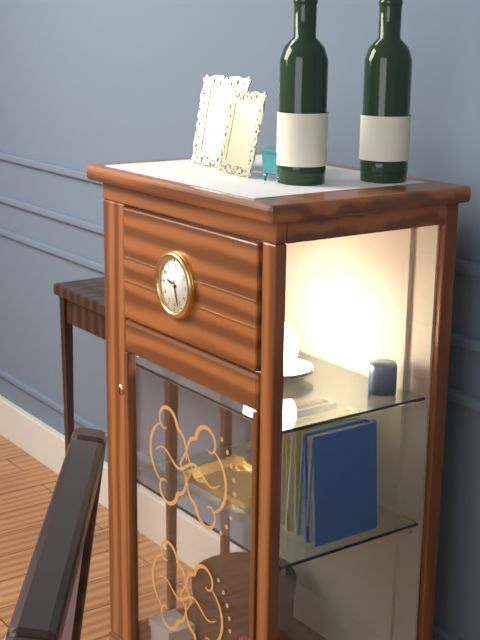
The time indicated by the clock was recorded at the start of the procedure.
9:27
